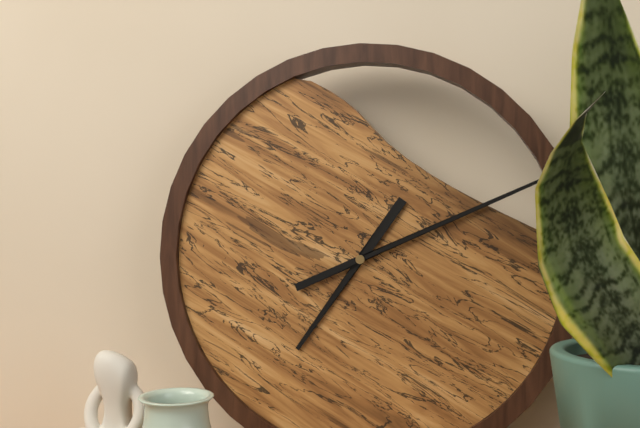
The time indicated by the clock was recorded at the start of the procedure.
7:11
